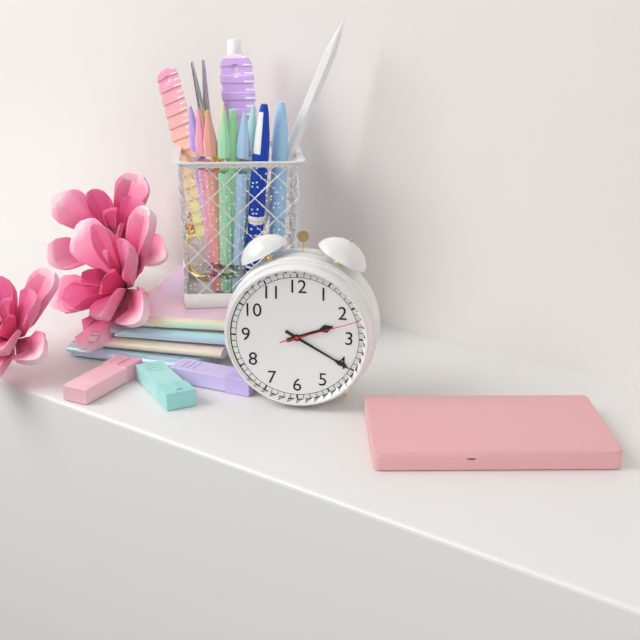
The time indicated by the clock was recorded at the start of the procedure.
2:20:12
